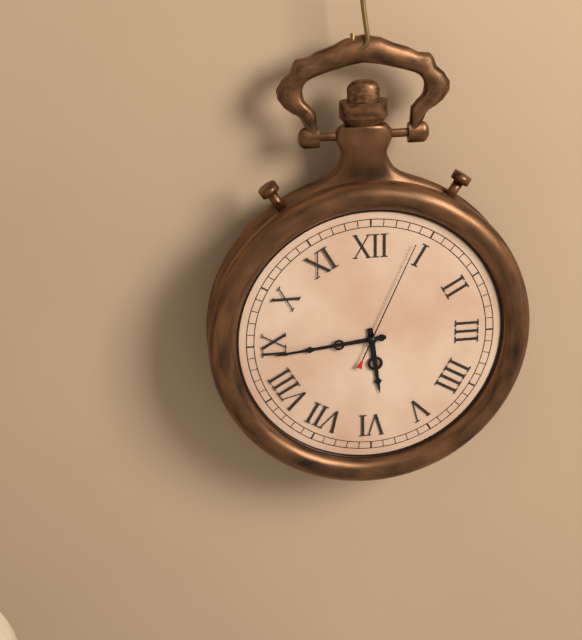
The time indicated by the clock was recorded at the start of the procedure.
5:44:04
